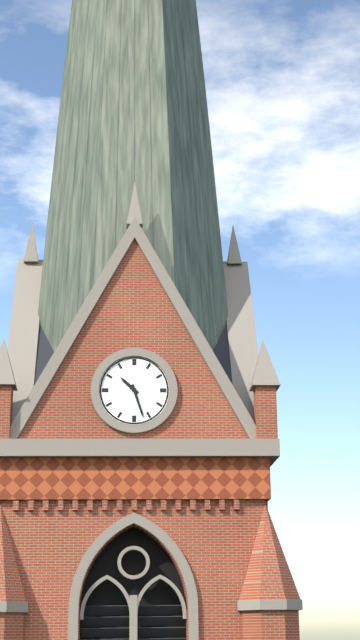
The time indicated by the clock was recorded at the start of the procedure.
10:27
